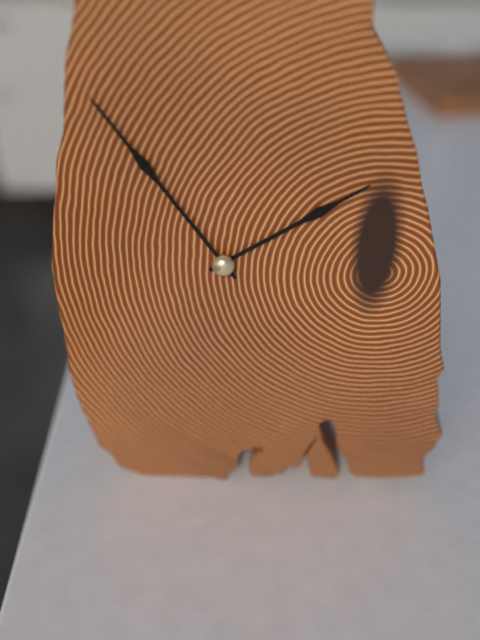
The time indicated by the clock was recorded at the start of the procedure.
1:54
